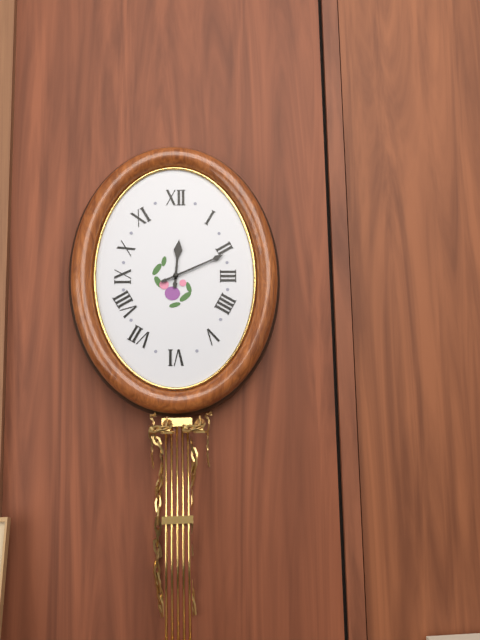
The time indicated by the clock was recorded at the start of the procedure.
12:11
